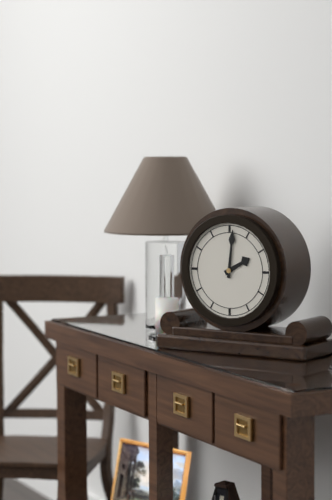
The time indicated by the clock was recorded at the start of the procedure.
2:01
